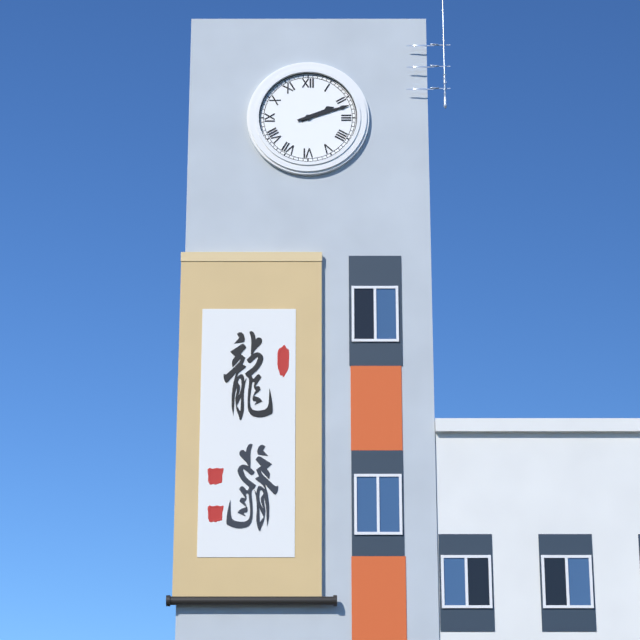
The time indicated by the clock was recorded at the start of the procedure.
2:12
